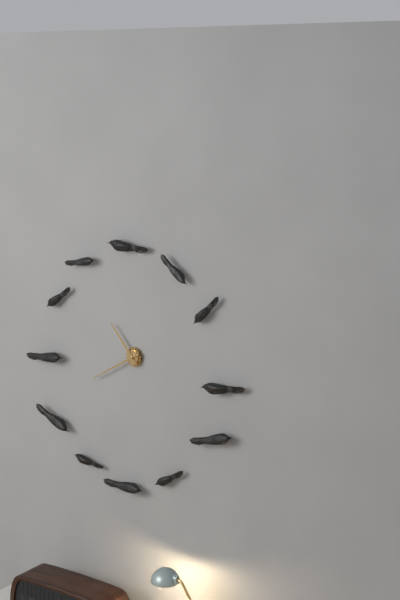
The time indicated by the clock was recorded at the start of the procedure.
10:40
